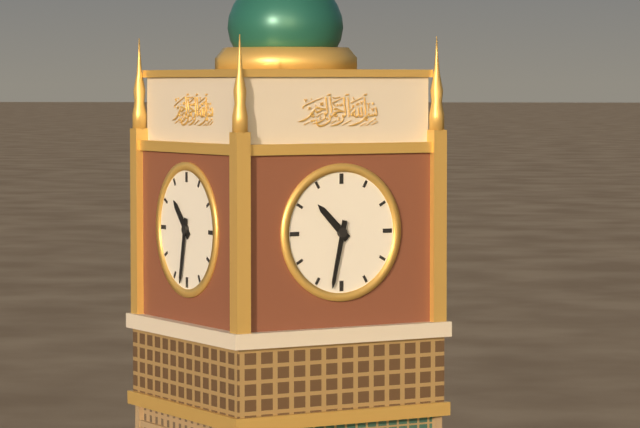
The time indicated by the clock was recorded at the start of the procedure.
10:32
